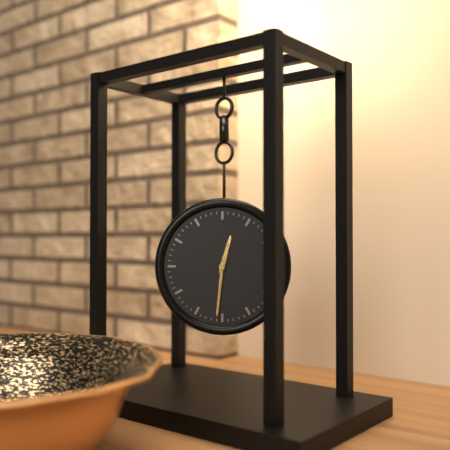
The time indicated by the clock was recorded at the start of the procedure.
12:31
